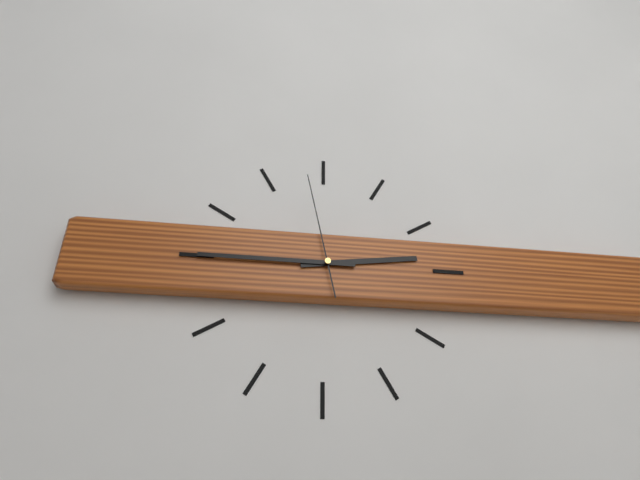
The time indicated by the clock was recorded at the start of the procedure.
2:45:58
